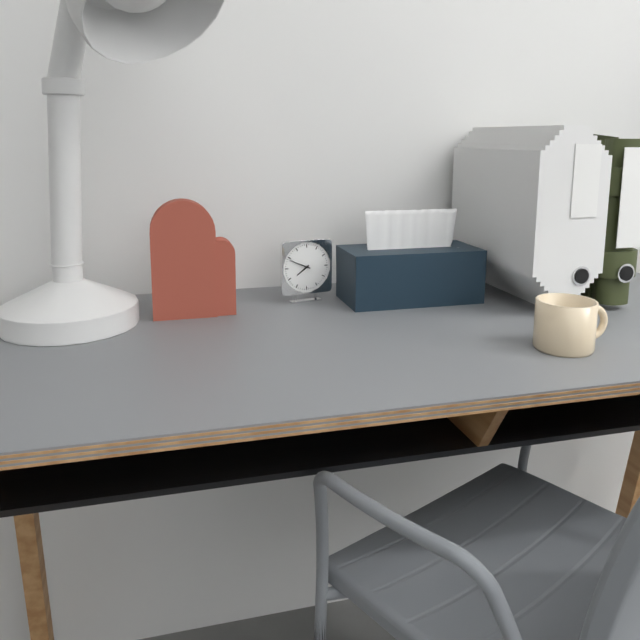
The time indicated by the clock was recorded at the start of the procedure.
7:49
